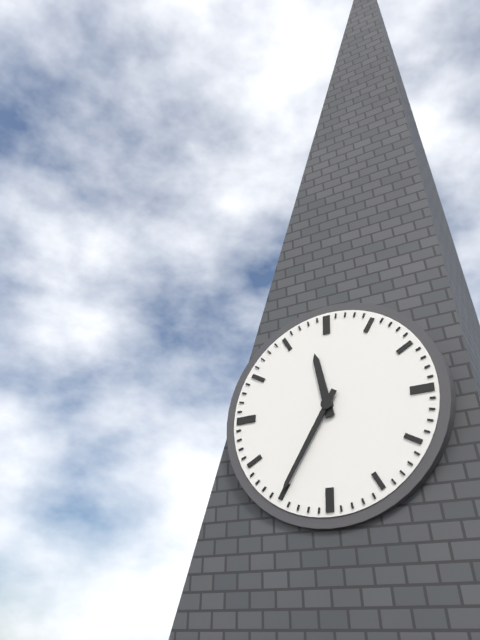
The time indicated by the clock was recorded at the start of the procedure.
11:35
